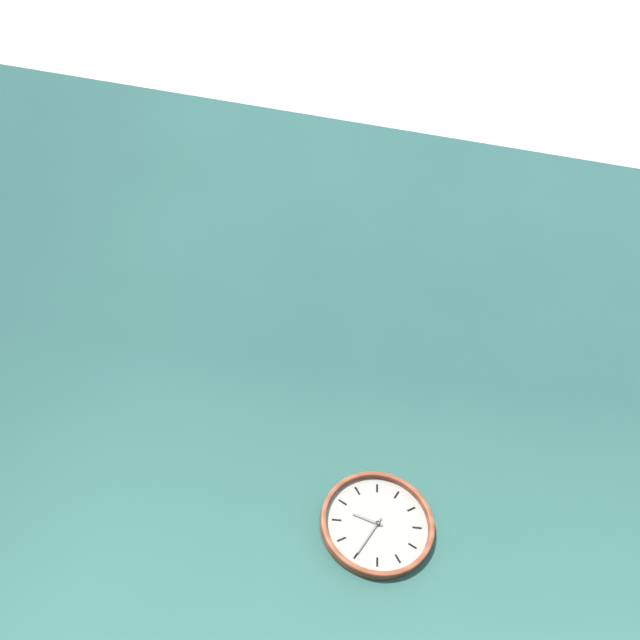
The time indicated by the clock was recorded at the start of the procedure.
9:35
